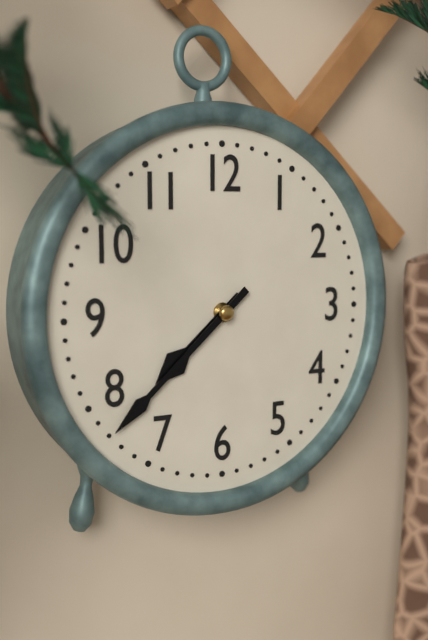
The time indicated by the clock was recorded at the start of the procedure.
7:38
